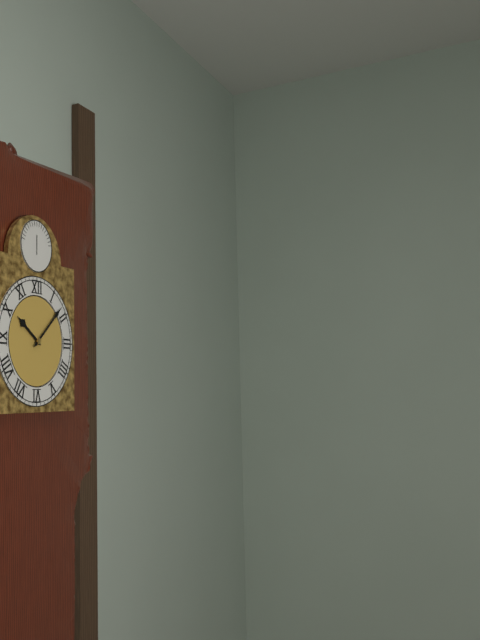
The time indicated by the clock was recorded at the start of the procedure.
10:08
